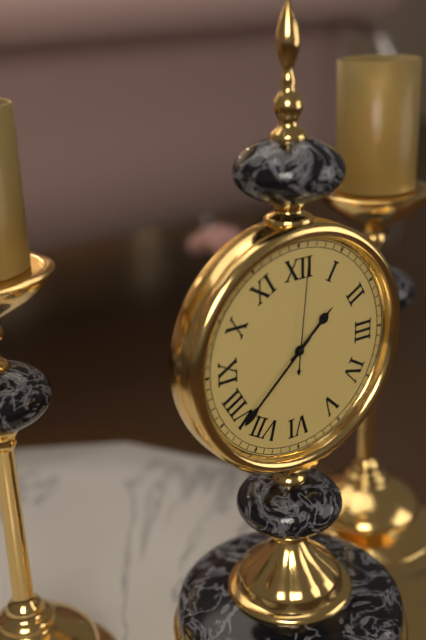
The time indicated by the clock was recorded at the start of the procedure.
1:38:01
